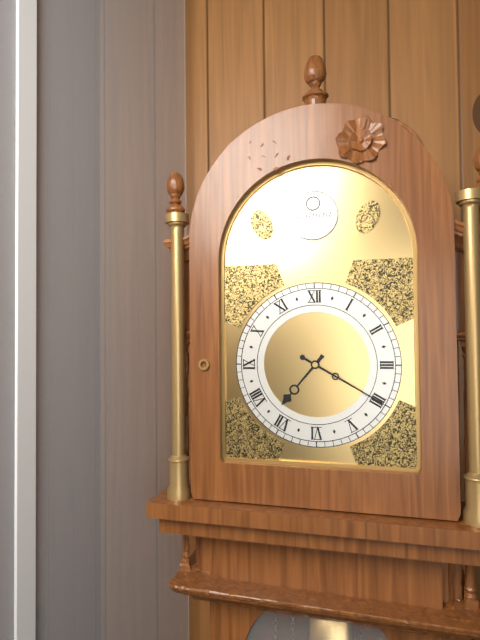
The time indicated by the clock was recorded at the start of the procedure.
7:20
